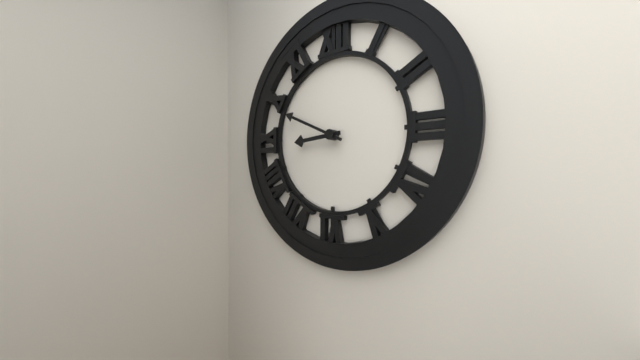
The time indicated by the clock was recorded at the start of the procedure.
8:49
